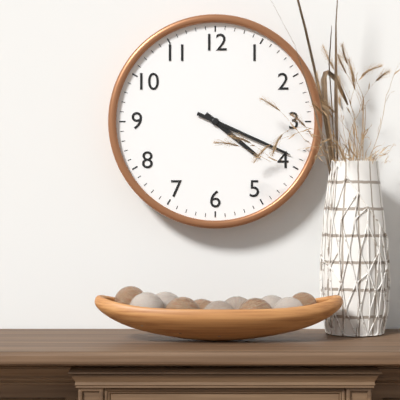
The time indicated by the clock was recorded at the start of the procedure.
4:19
